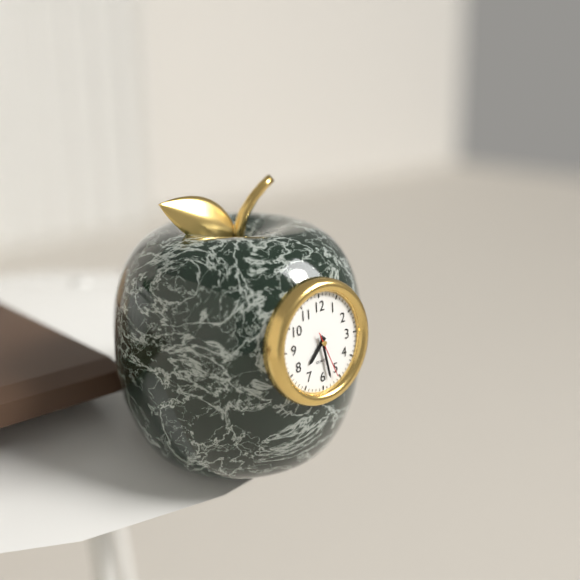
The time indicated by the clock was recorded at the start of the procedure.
7:28
